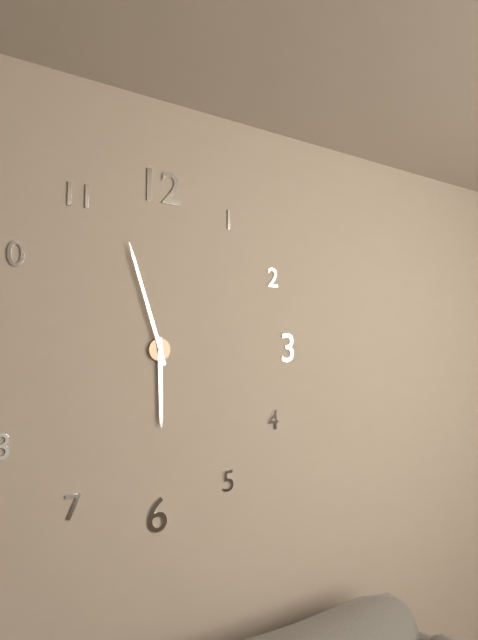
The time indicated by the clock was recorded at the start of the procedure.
5:57
